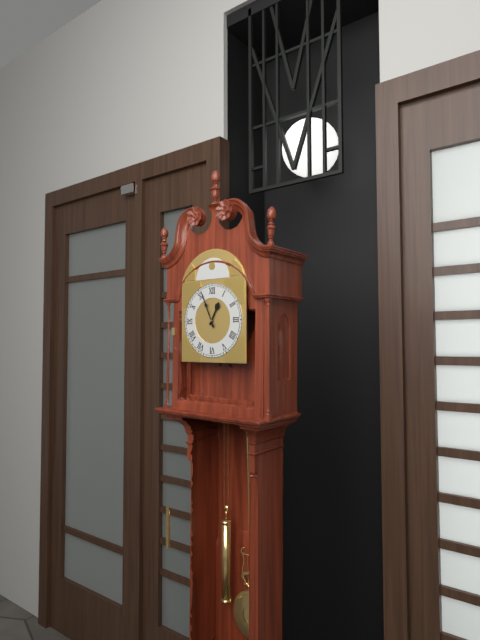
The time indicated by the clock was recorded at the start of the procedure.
12:56
